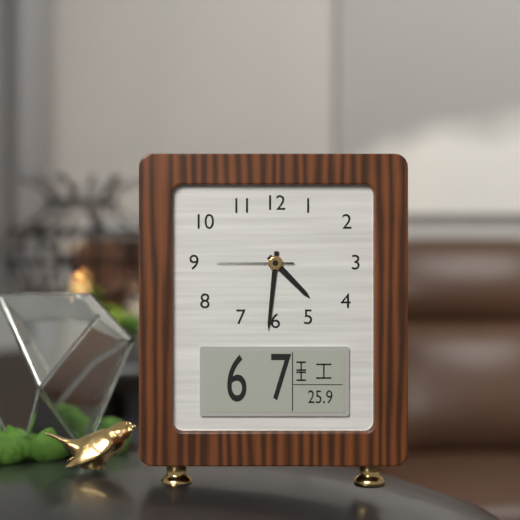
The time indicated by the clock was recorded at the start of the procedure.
4:31:45
